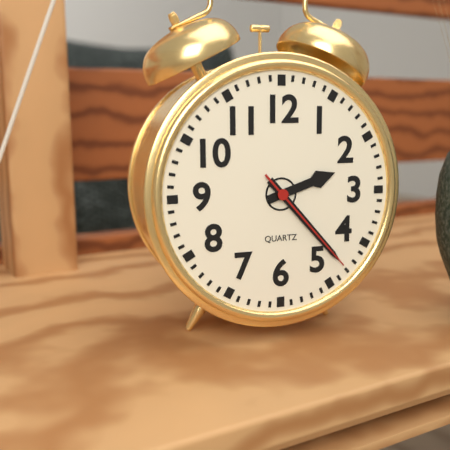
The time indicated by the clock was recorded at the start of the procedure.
2:23:23
